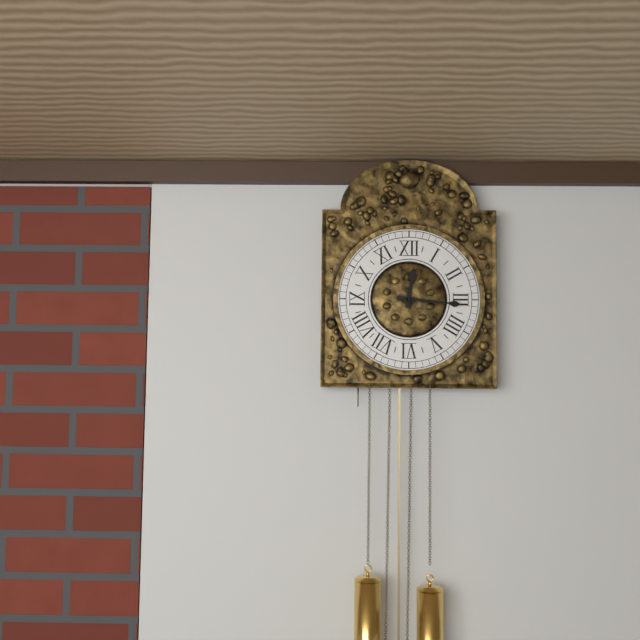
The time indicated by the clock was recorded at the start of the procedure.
12:16
